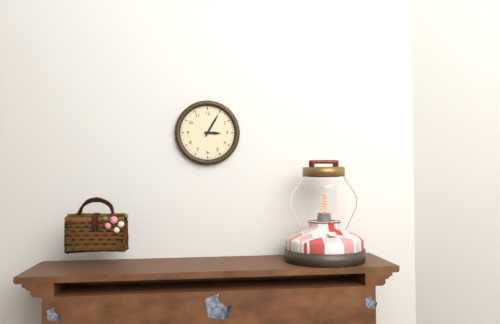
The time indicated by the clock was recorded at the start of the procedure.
3:05
